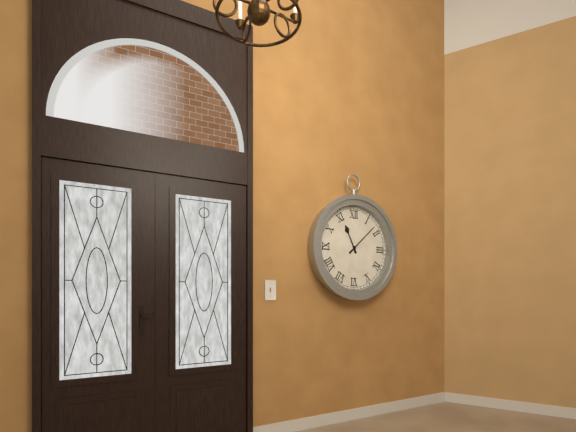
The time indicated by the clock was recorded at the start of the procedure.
11:08
